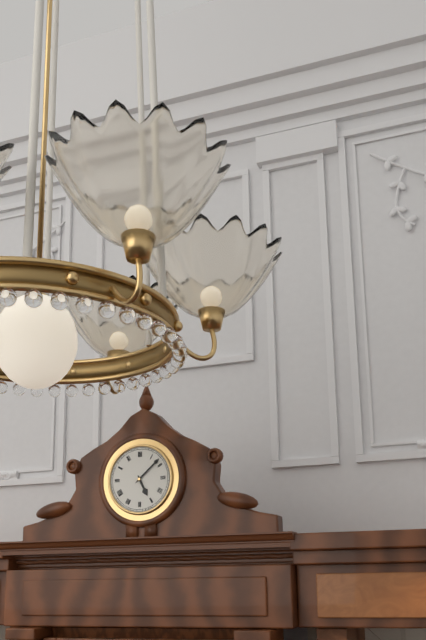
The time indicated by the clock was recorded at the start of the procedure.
5:08
